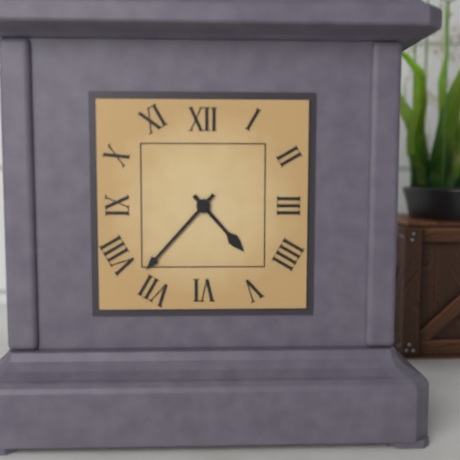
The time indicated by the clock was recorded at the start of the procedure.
4:37
